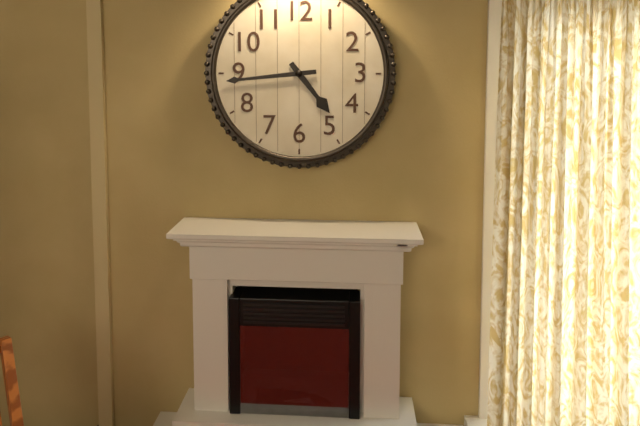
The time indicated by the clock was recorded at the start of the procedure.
4:44
